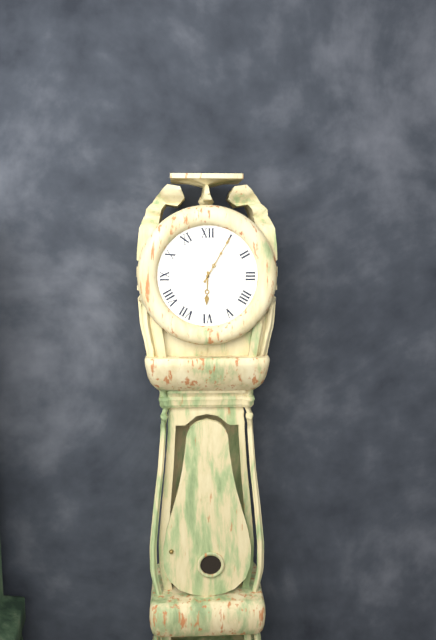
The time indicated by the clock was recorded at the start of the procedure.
6:05
